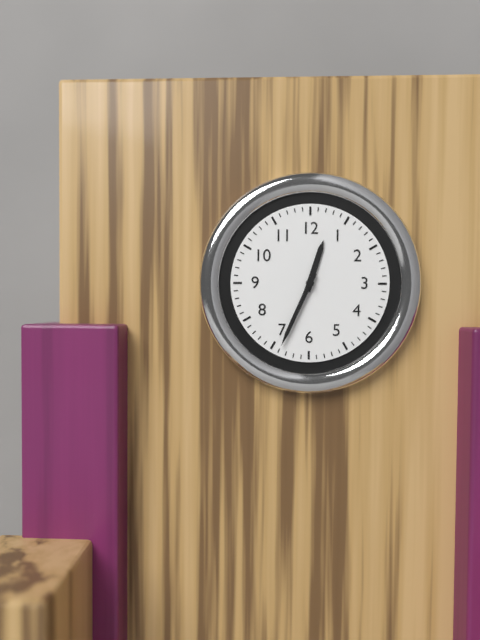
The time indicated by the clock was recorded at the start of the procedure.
12:34
